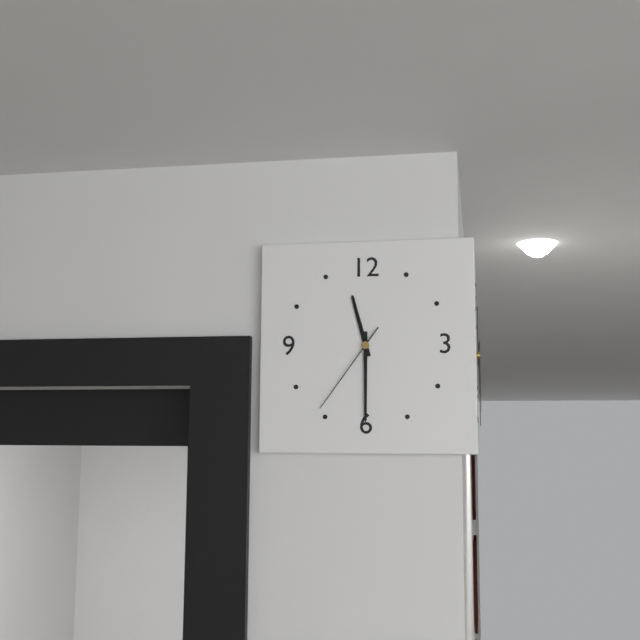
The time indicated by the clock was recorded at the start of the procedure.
11:30:36
